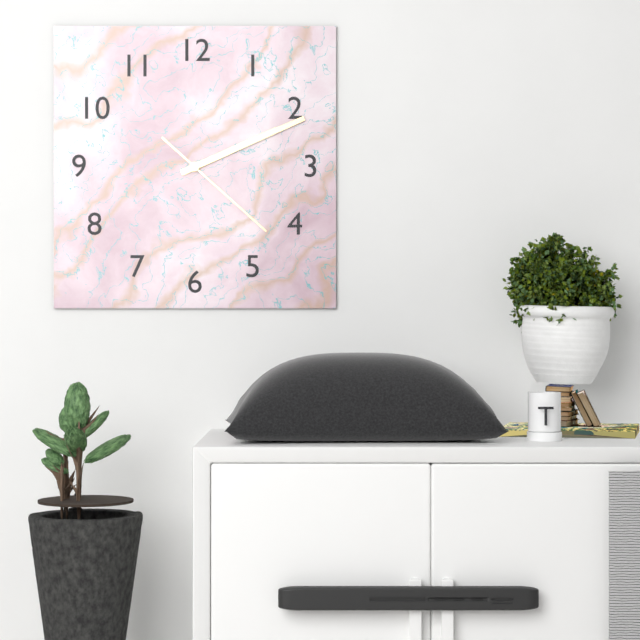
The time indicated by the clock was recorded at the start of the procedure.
2:11:22
